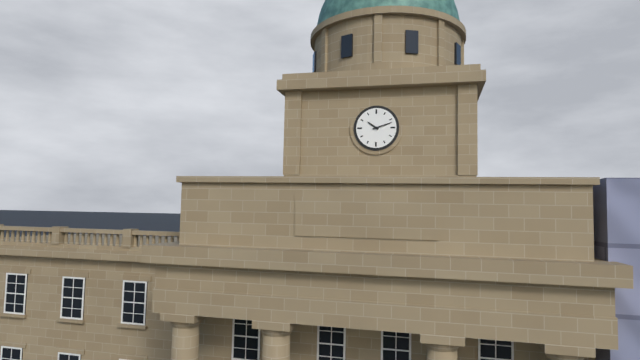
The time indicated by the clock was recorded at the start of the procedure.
10:12
